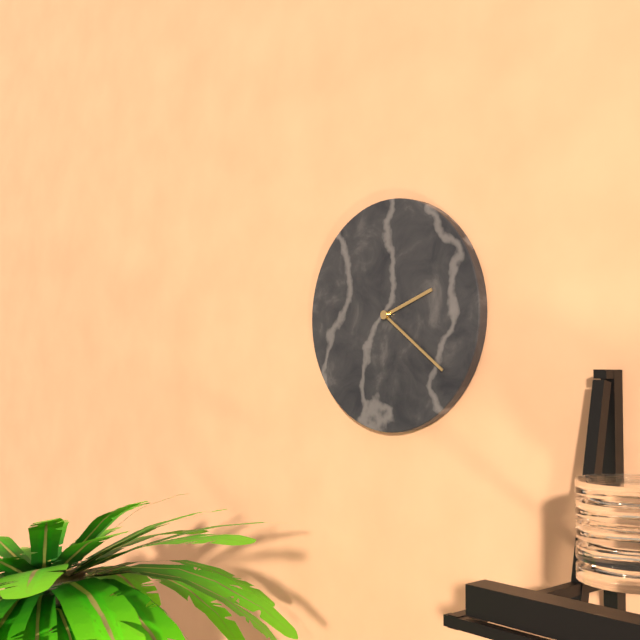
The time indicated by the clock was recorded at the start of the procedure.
2:21
